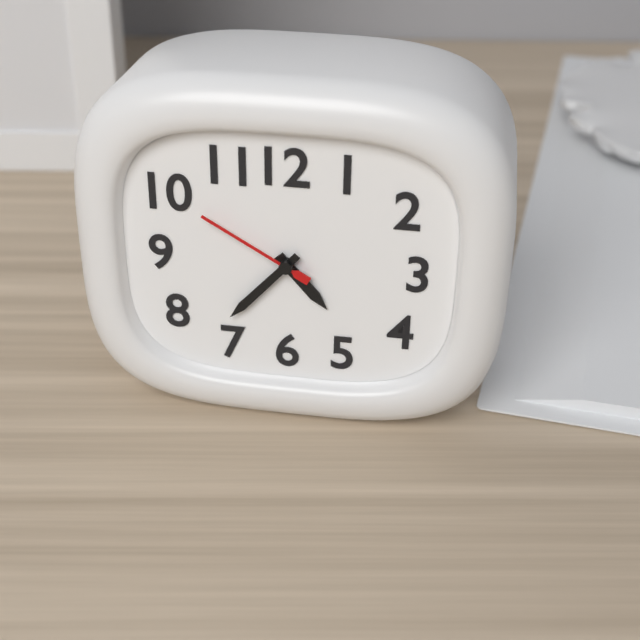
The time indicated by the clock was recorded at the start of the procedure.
4:37:50
